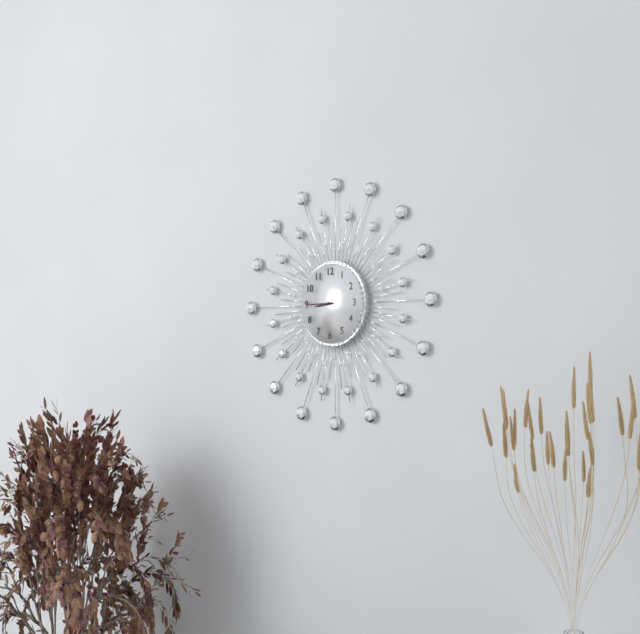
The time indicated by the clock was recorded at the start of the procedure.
8:45
